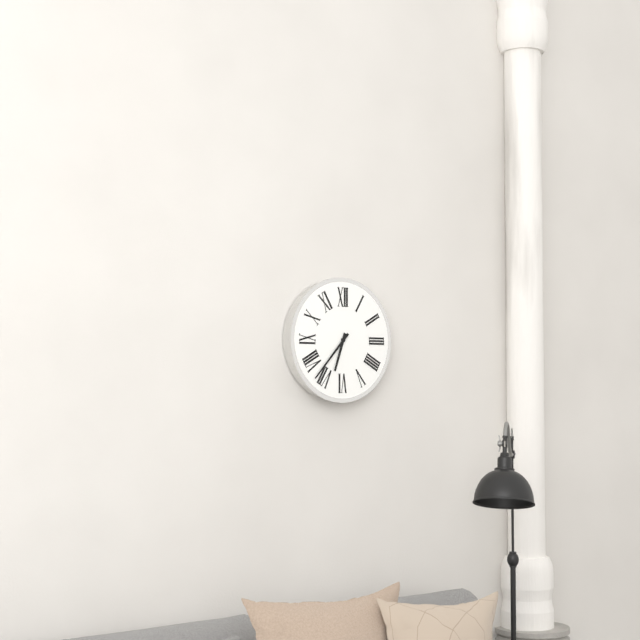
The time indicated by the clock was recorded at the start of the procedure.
6:37
